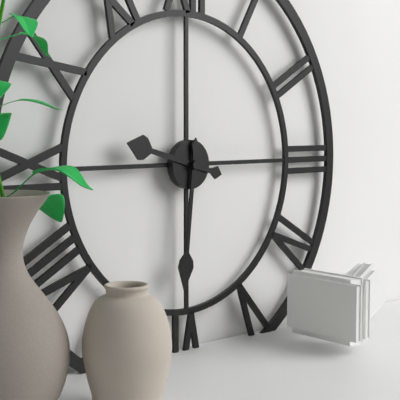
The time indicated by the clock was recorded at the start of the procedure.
9:31
